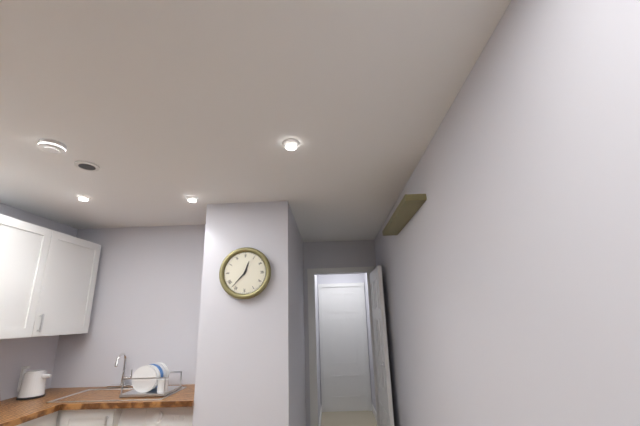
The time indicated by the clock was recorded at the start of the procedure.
12:37
